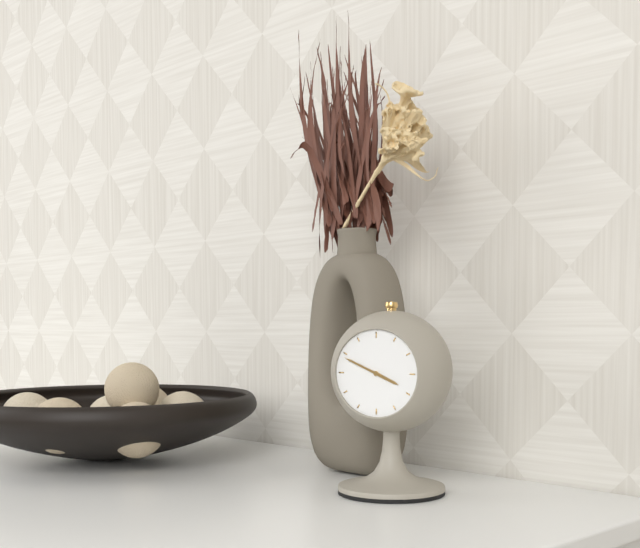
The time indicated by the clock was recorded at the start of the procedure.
3:49
